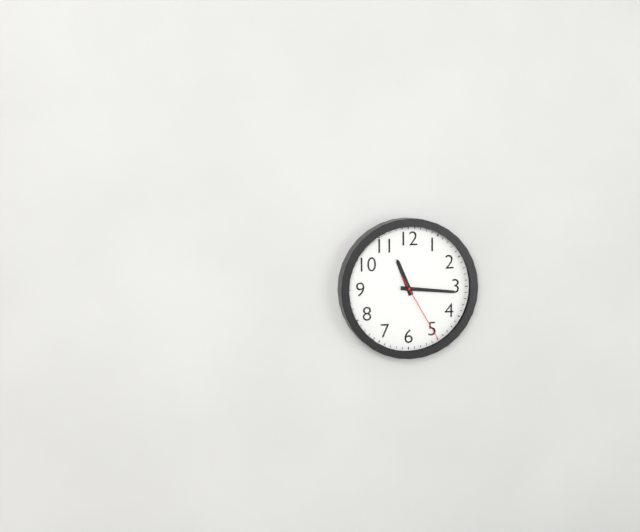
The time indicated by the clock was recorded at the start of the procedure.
11:16:25
